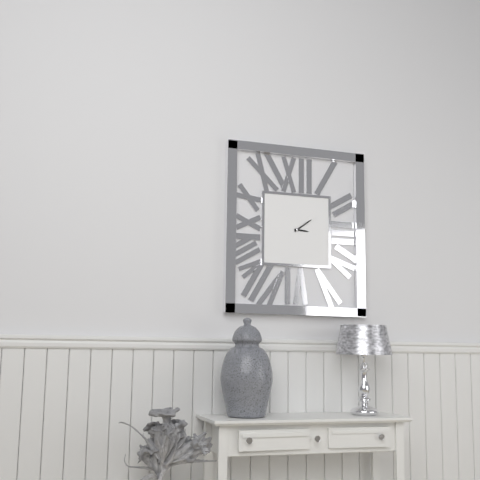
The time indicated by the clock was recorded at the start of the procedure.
3:09
